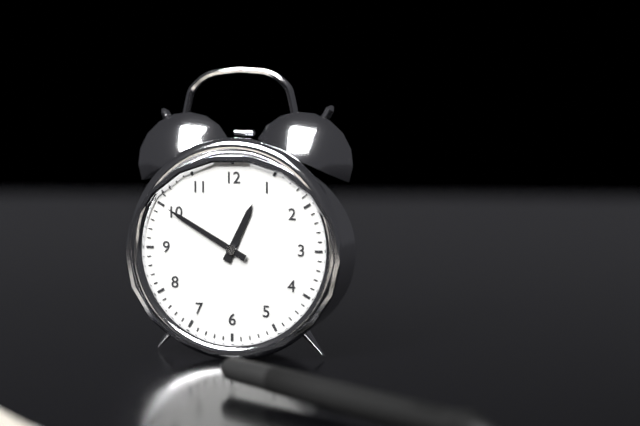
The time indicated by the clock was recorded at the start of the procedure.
12:50
